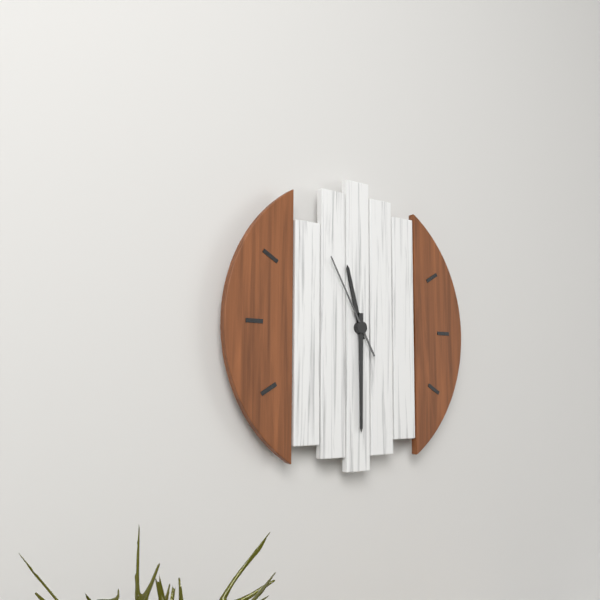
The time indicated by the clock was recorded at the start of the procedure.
11:30:55
